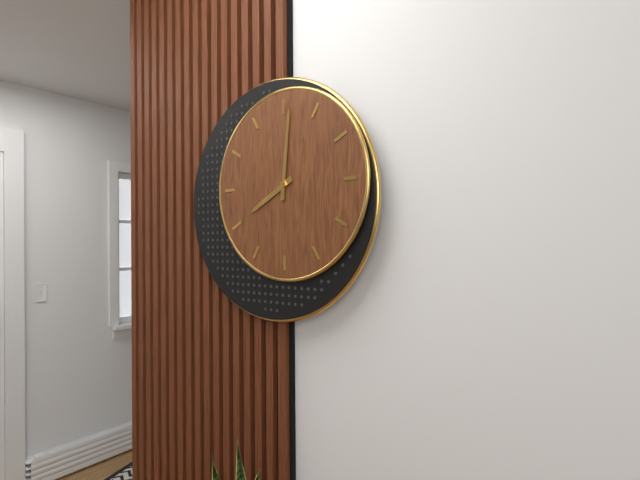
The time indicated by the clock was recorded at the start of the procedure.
8:01
